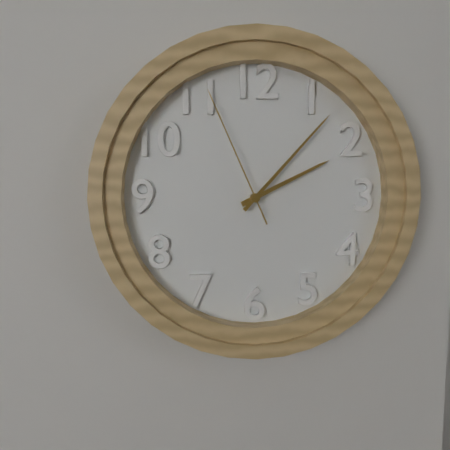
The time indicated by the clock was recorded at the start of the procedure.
2:07:56
